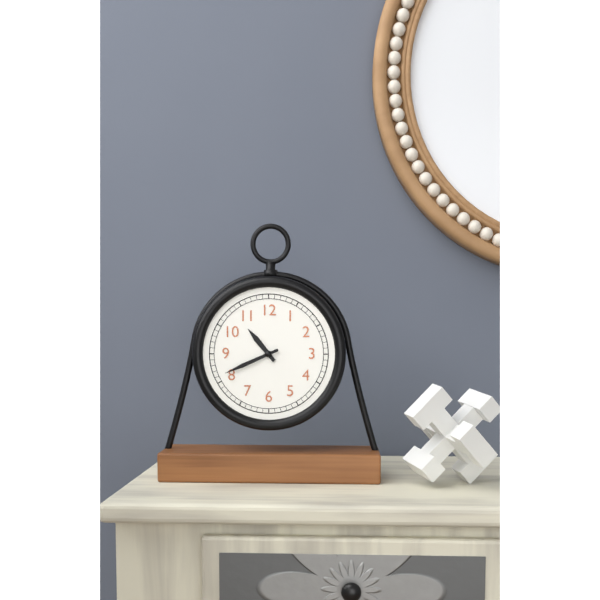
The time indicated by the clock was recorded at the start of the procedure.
10:41
